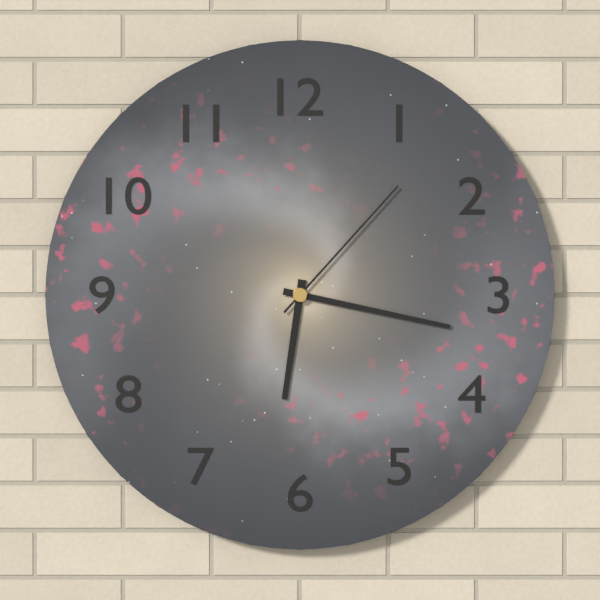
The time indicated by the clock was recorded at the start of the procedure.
6:17:07
